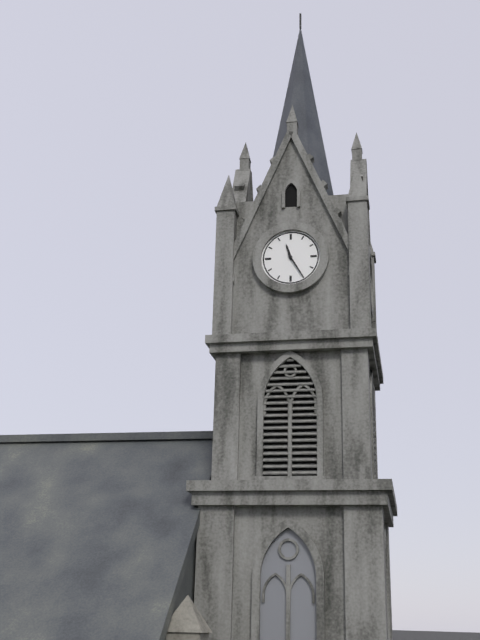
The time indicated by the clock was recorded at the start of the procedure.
11:25
